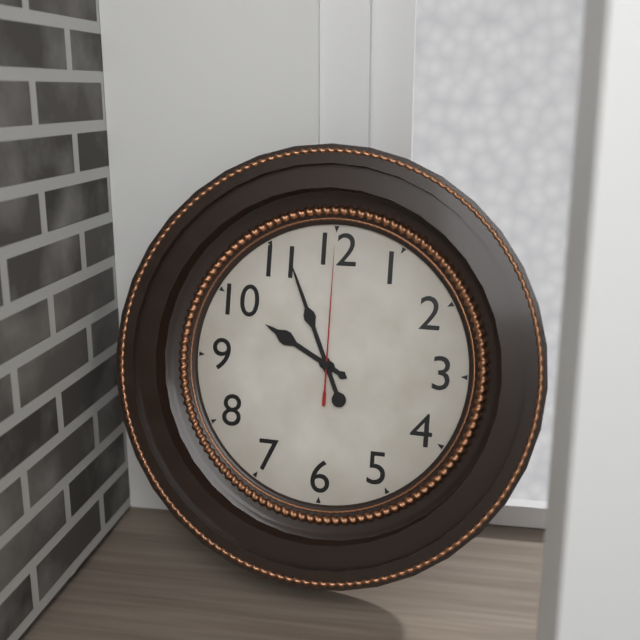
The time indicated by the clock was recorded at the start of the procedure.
9:56:00
